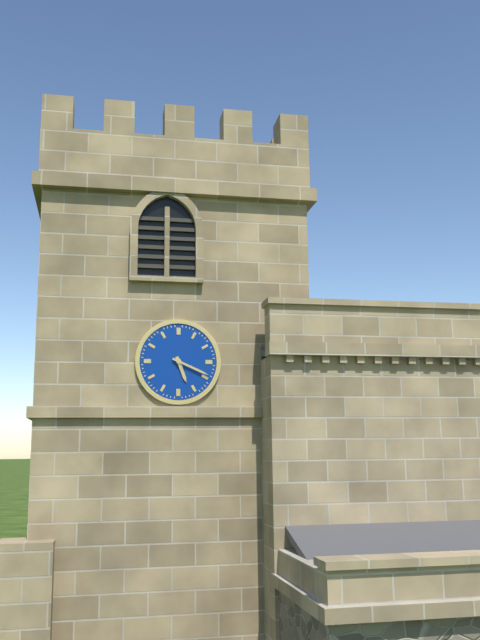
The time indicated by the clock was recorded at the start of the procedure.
5:19
